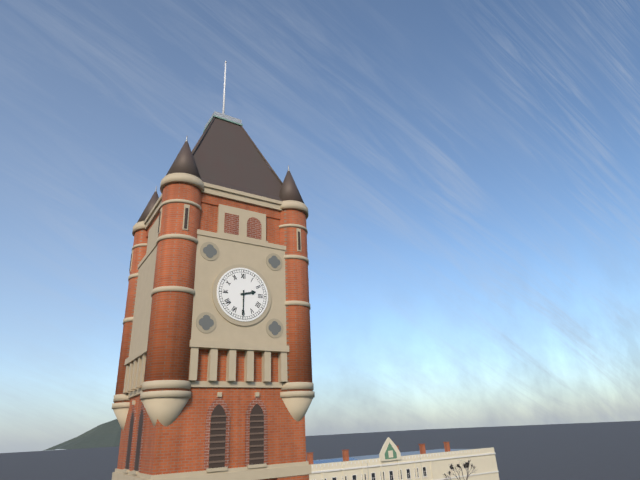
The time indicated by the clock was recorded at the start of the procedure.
2:30
